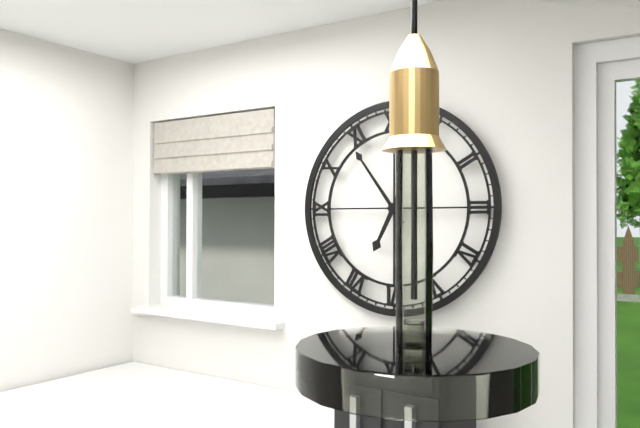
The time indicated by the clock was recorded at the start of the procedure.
6:54
